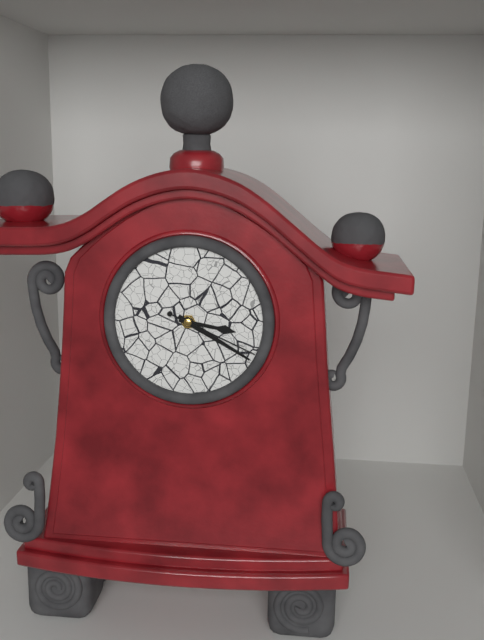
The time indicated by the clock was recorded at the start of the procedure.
3:20:19
